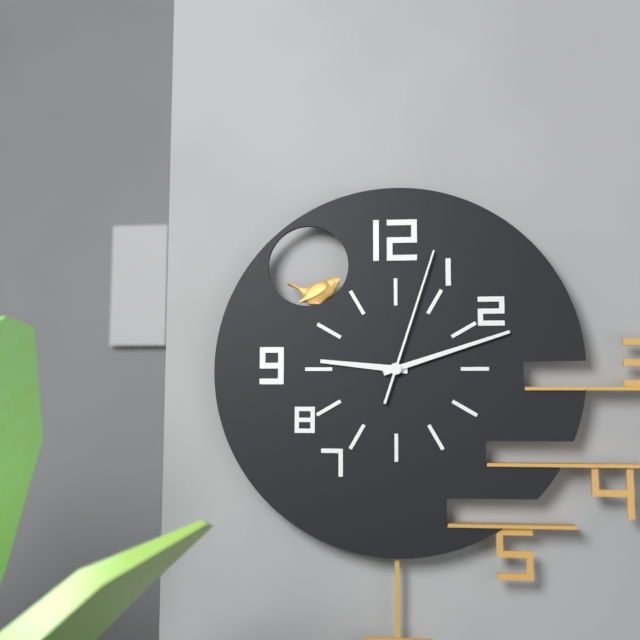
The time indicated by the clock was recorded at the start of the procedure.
9:12:03
